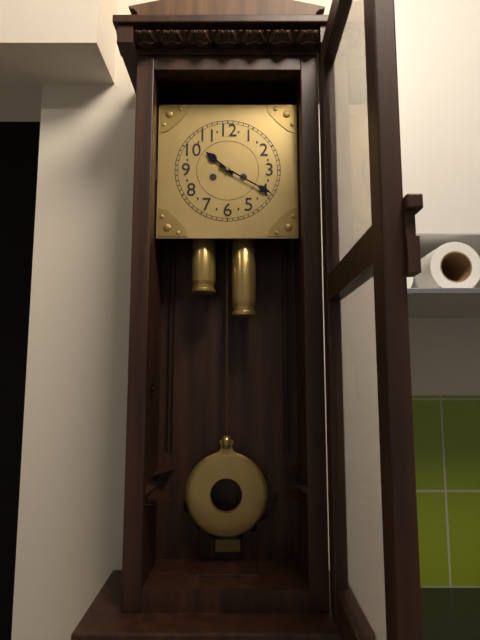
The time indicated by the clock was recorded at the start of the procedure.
10:20
